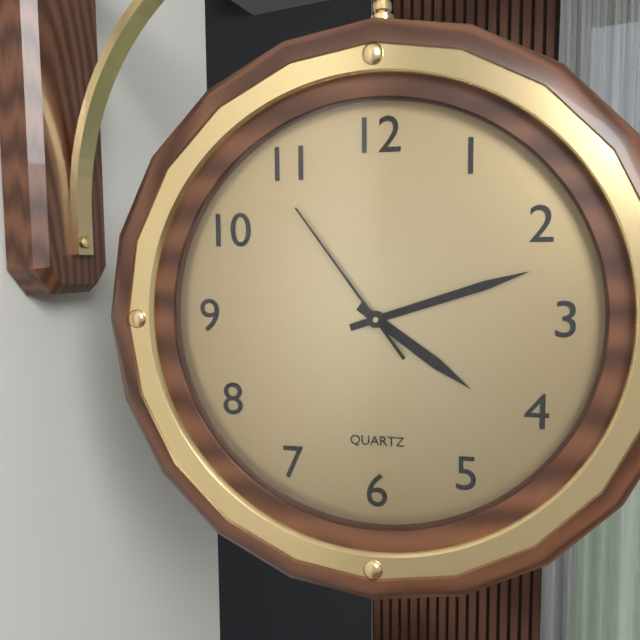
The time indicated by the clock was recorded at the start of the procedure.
4:12:54
